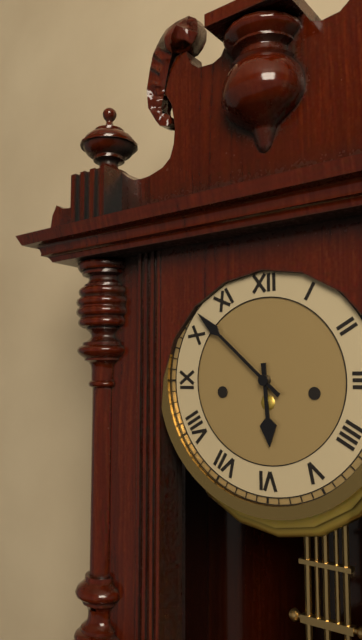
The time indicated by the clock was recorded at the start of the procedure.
5:52
